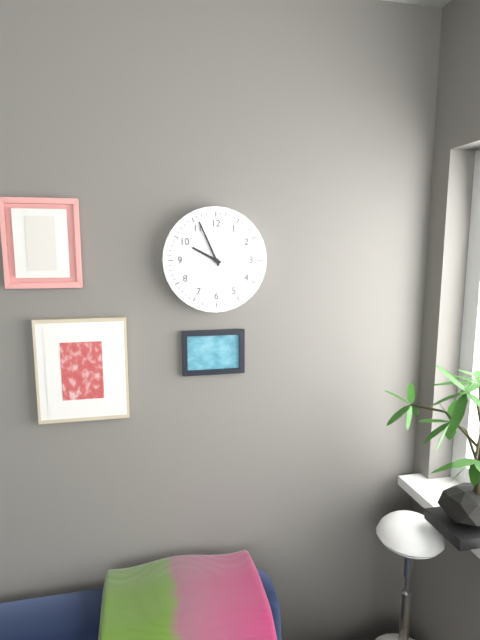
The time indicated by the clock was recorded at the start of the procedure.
9:56
